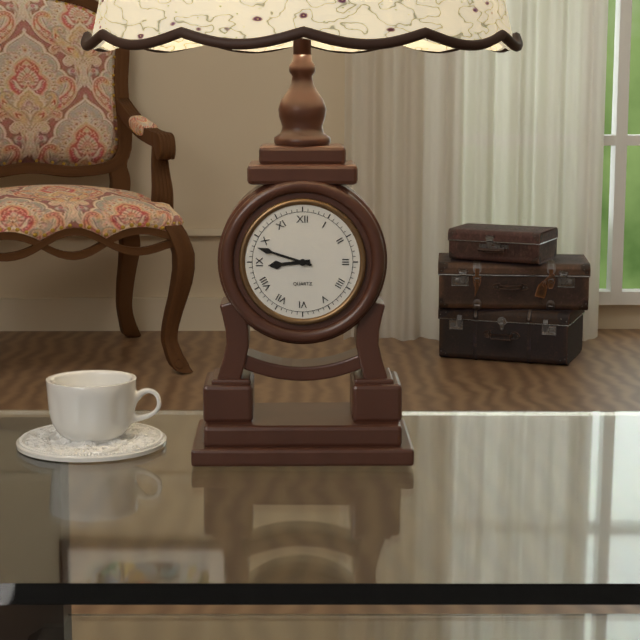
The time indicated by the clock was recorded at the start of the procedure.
8:48
